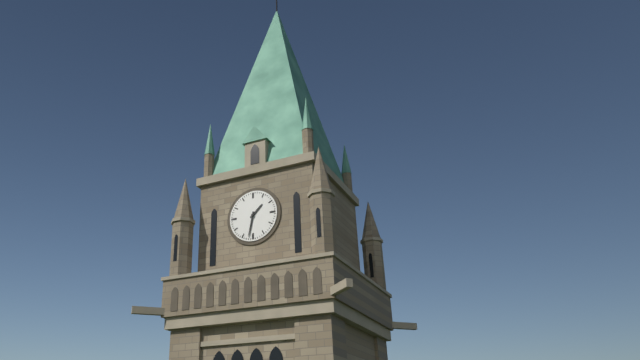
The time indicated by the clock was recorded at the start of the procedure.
1:32
